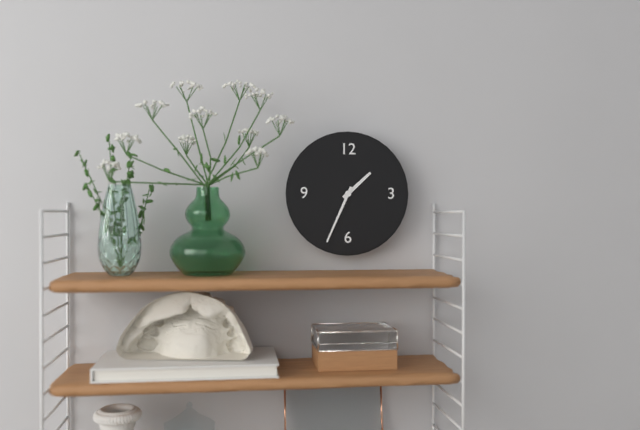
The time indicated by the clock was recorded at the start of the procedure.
1:34
